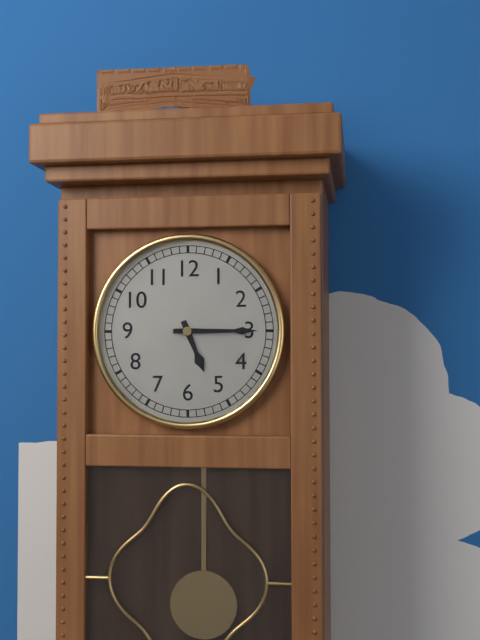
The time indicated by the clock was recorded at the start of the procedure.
5:15
